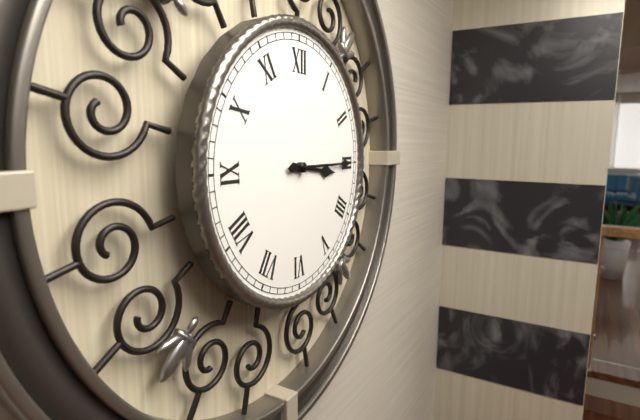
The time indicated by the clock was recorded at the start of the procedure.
3:15
